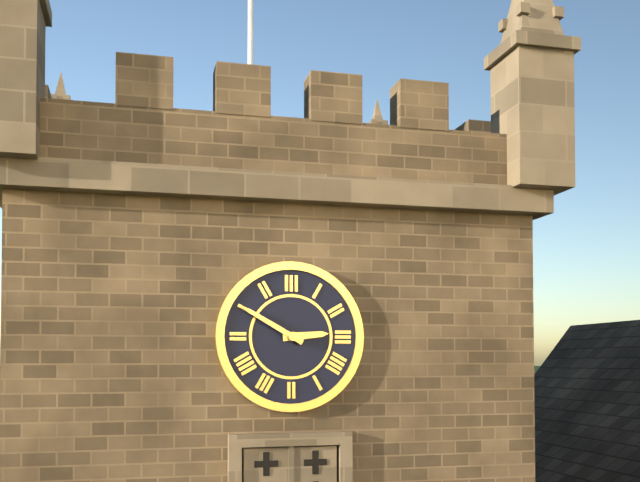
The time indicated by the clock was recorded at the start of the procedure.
2:50
